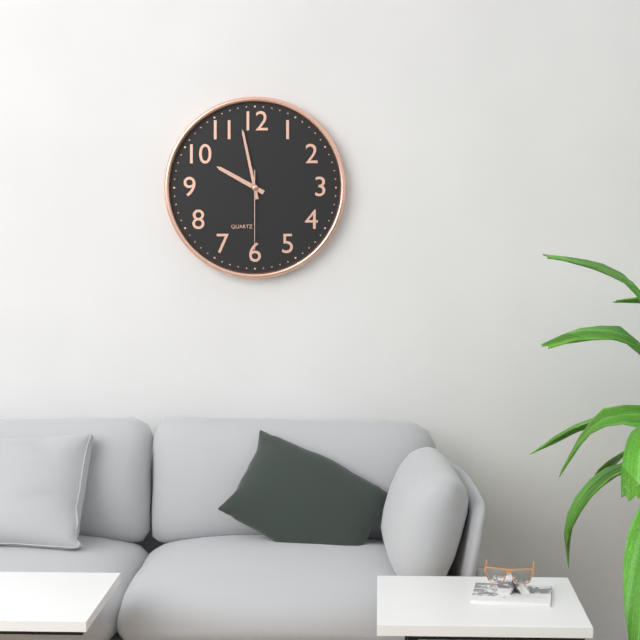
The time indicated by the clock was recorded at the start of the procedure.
9:58:30
